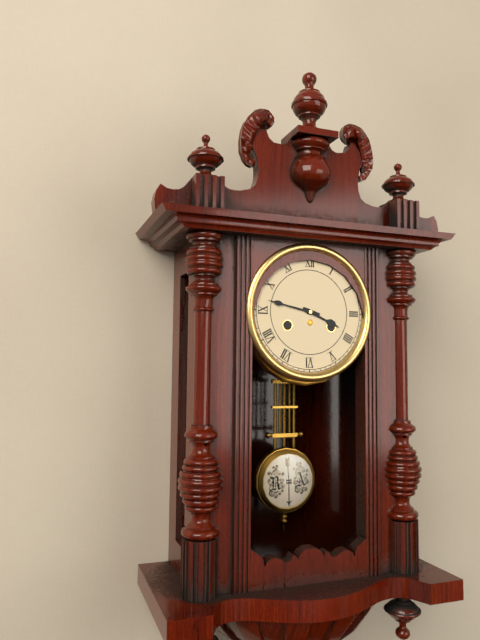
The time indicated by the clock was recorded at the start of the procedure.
3:47
